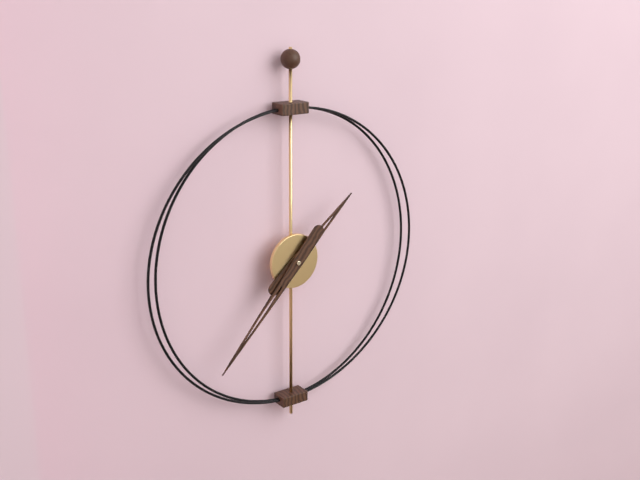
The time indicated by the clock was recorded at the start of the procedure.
1:37
